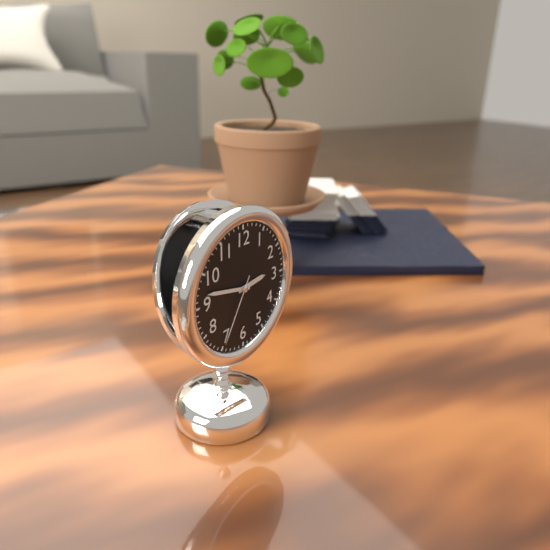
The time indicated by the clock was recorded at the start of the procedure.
2:47:35
